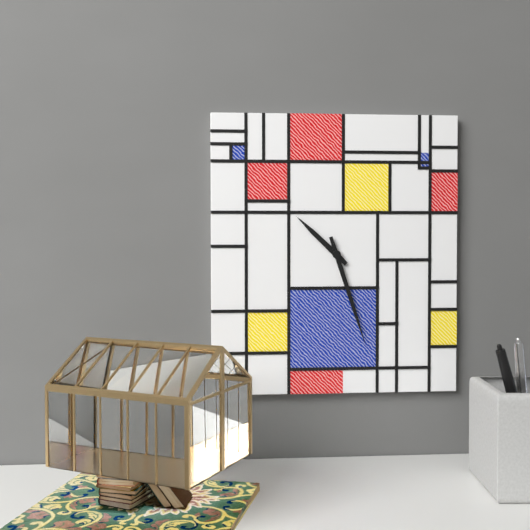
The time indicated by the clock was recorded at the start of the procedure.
10:27
